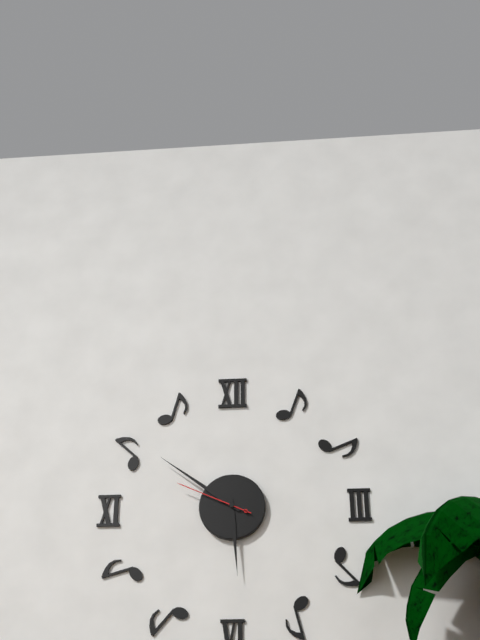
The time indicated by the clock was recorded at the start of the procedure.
5:51:49
